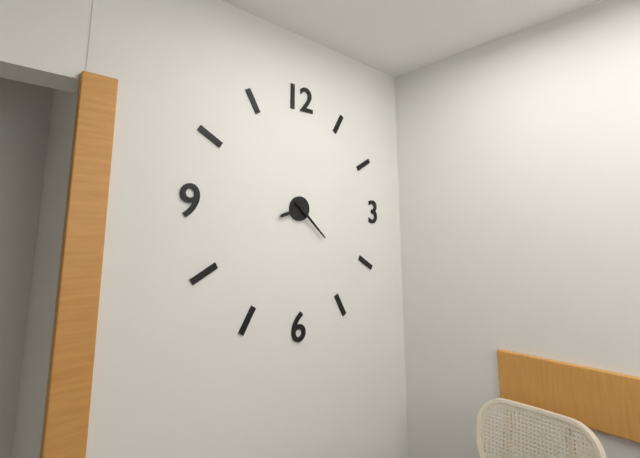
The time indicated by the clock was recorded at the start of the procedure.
8:22
